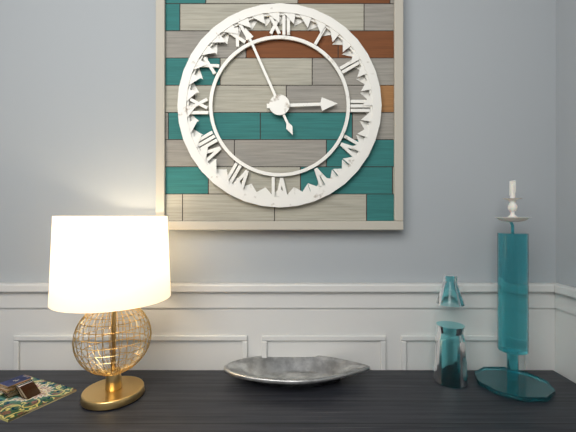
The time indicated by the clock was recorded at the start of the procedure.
2:56
